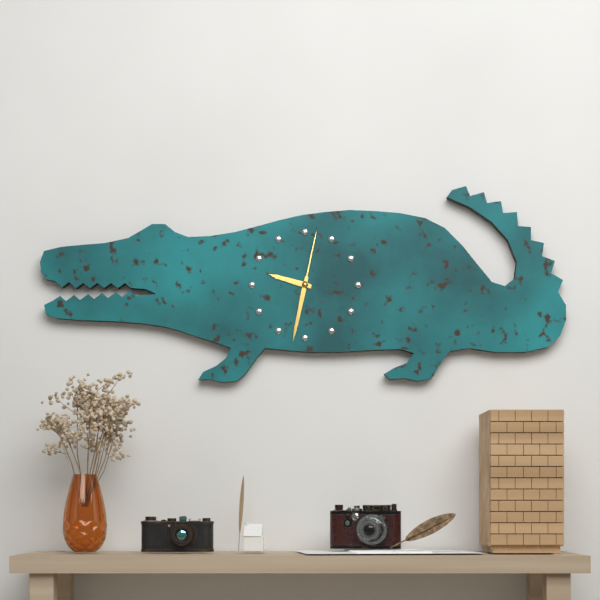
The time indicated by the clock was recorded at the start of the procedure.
9:32:02
